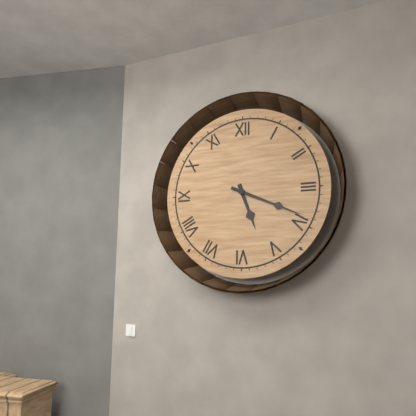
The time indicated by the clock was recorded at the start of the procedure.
5:19
